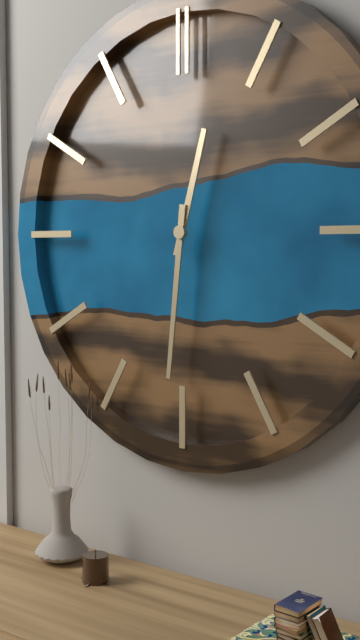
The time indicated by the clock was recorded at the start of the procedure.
12:31
